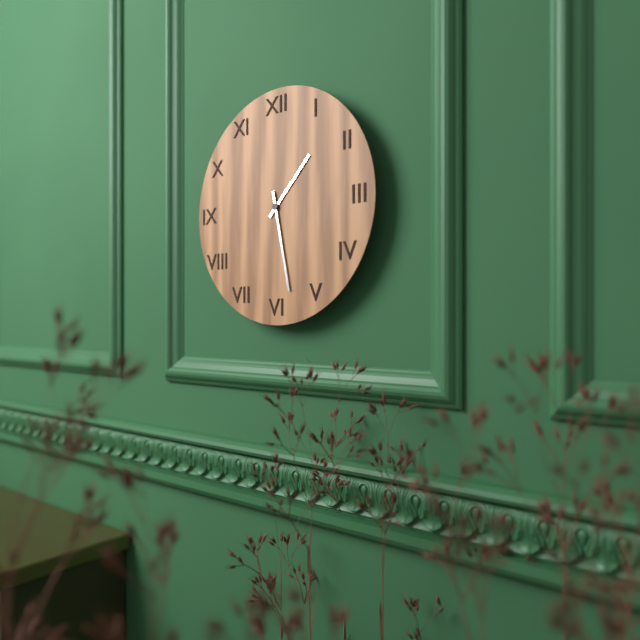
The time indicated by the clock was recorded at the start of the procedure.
1:28
